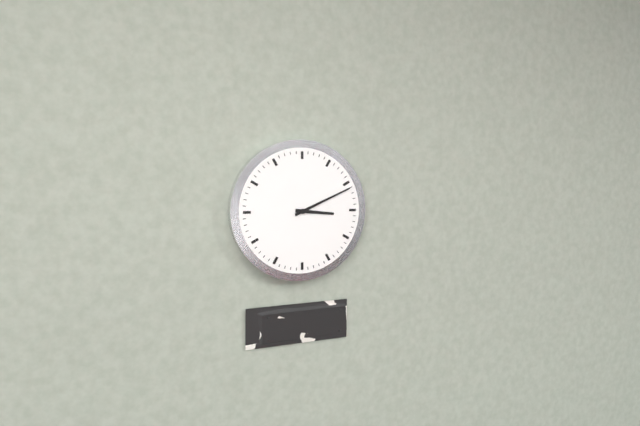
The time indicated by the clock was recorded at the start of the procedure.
3:11
